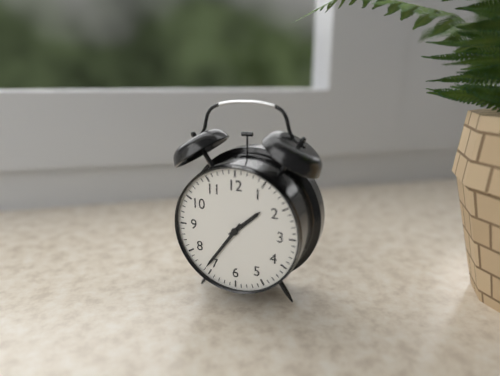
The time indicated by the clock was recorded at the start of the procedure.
1:36
